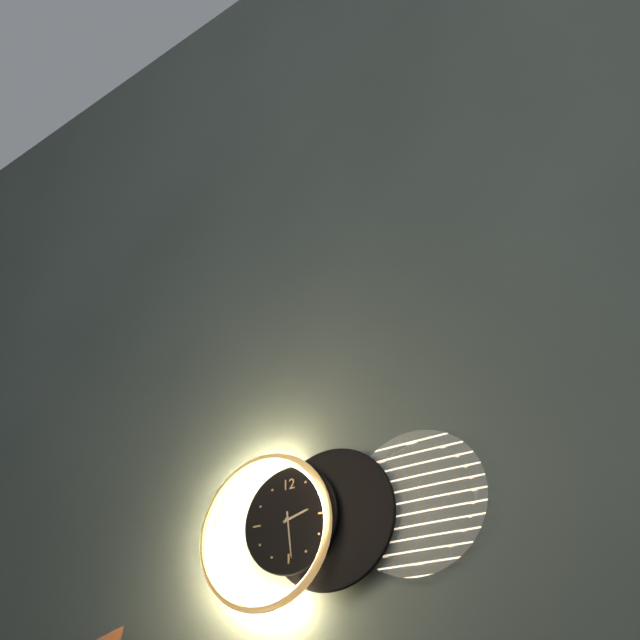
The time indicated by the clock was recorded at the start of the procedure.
2:29
